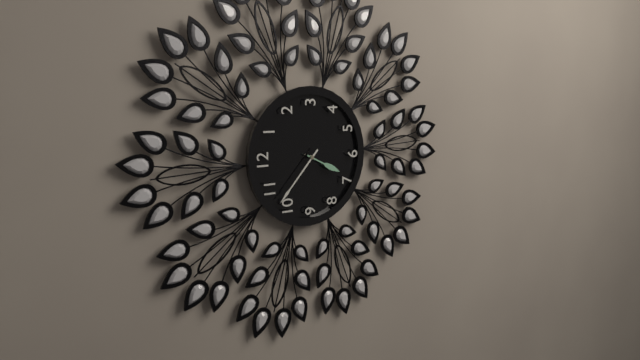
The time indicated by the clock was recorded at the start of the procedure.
6:52
